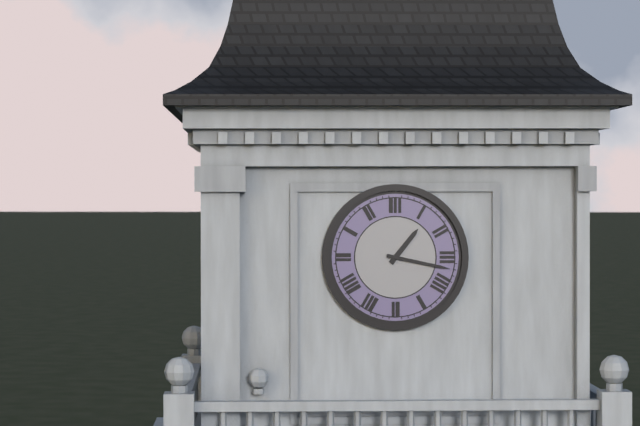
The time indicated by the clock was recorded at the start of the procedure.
1:17
